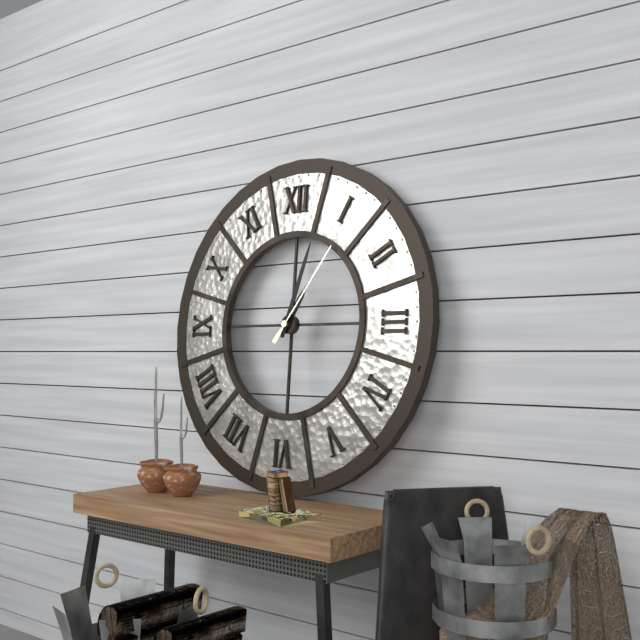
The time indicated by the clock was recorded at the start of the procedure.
1:03:06
